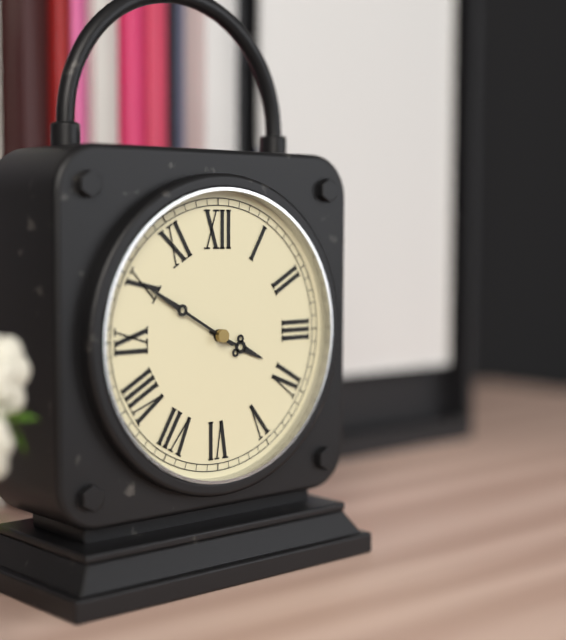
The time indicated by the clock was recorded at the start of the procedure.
3:50
